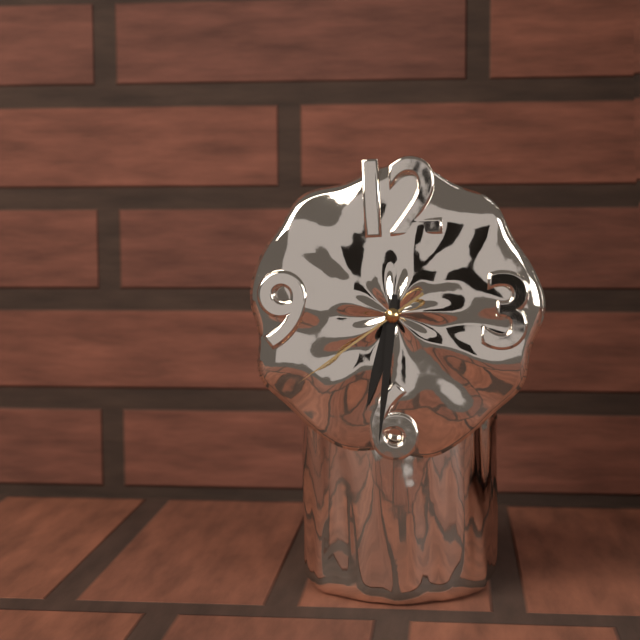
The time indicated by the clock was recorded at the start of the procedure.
6:31:39
